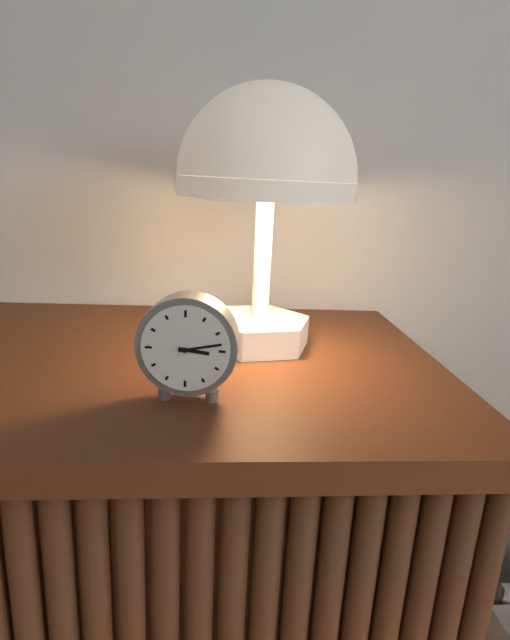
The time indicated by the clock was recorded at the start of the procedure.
3:13
